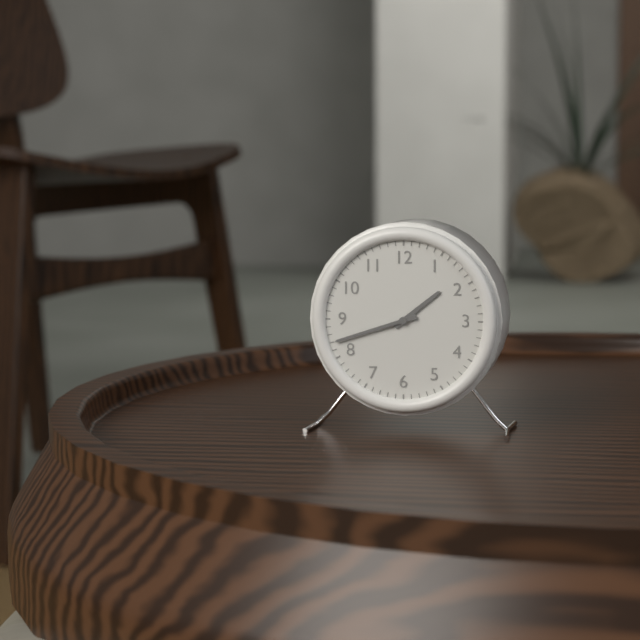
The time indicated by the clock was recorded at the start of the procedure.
1:42
